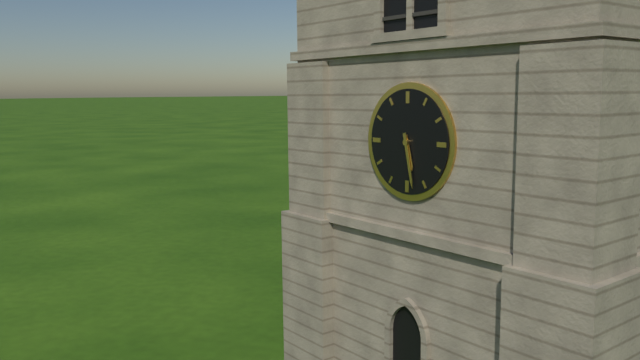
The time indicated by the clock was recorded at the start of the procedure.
5:28
